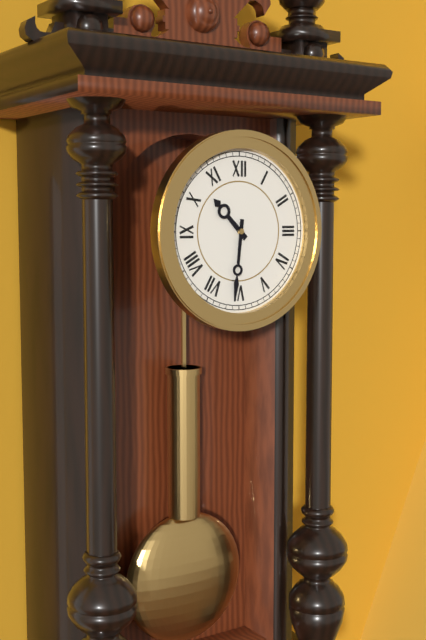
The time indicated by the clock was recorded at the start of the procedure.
10:31
